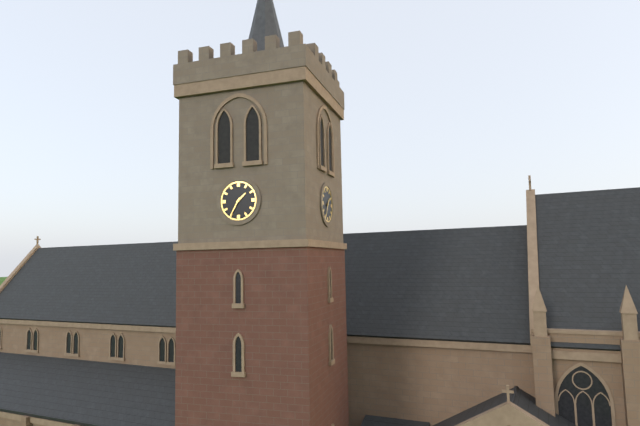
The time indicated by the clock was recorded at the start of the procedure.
1:35
